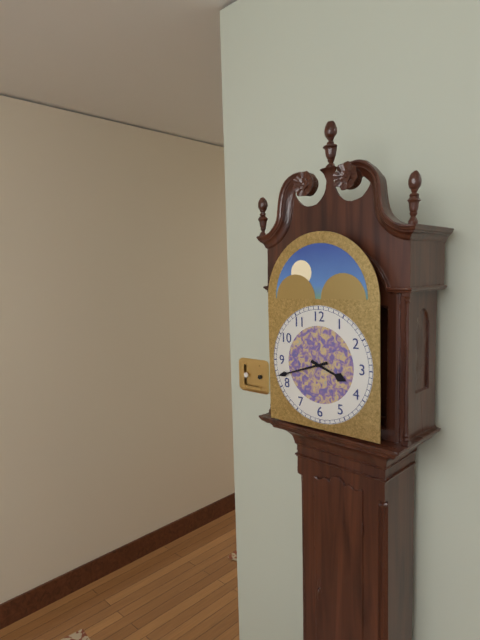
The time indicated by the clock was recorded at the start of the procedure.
3:42
